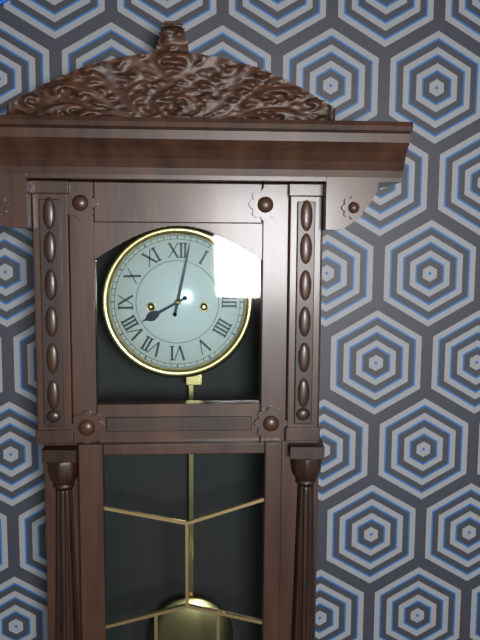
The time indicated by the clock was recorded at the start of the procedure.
8:02
